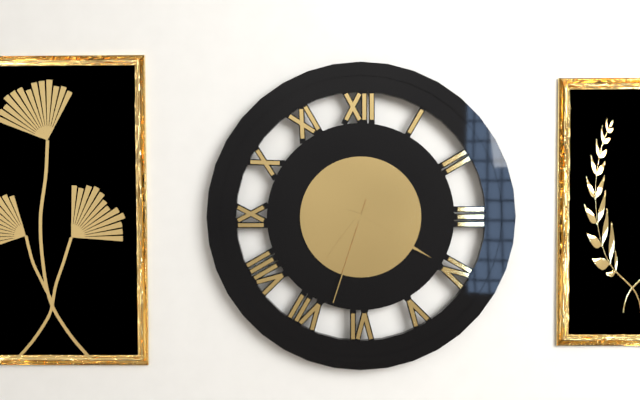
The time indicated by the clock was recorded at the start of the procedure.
7:20:33
